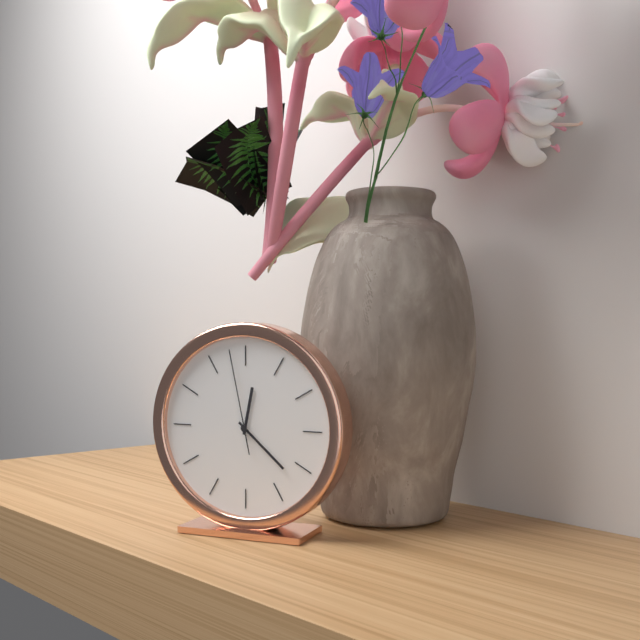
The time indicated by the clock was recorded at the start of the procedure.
12:22:58
